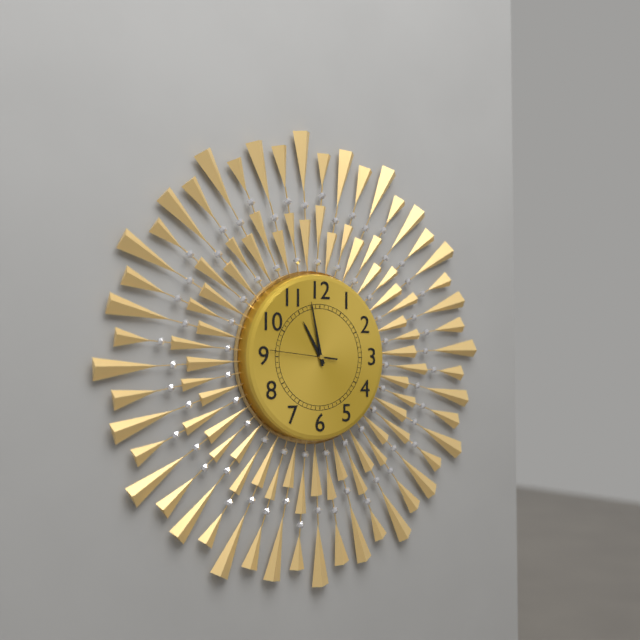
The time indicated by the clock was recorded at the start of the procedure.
10:58:46
